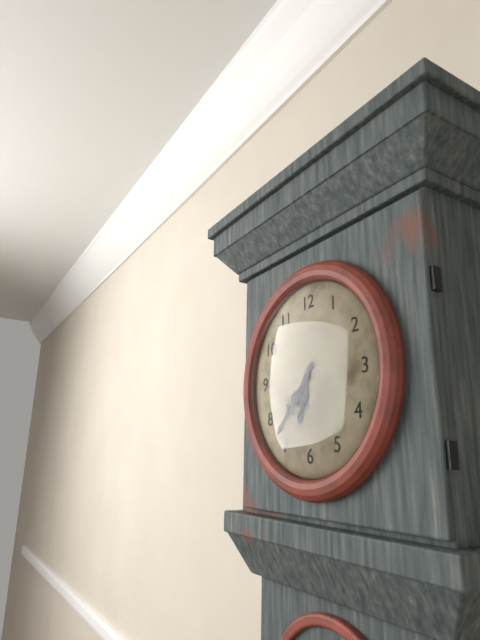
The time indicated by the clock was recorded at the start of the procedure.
6:37
